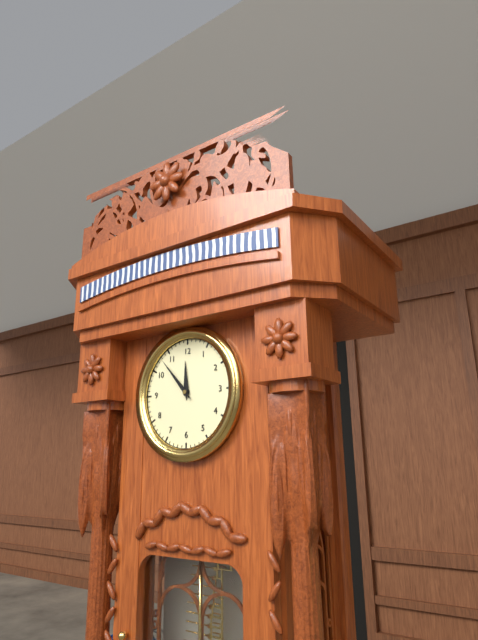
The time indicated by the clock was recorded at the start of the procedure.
11:53
